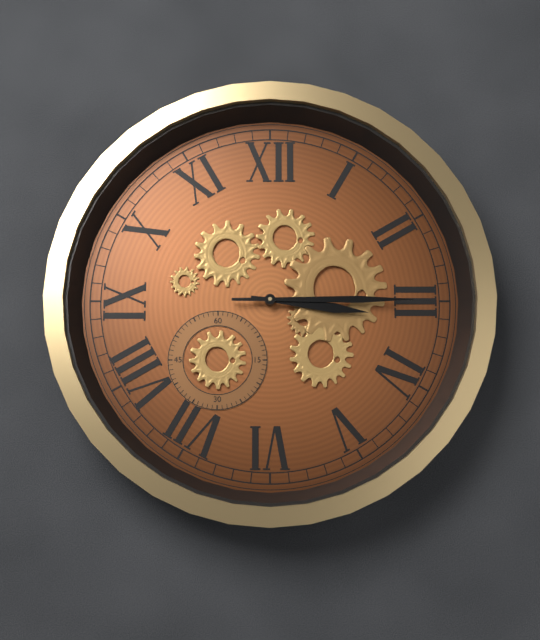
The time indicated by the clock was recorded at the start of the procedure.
3:15
